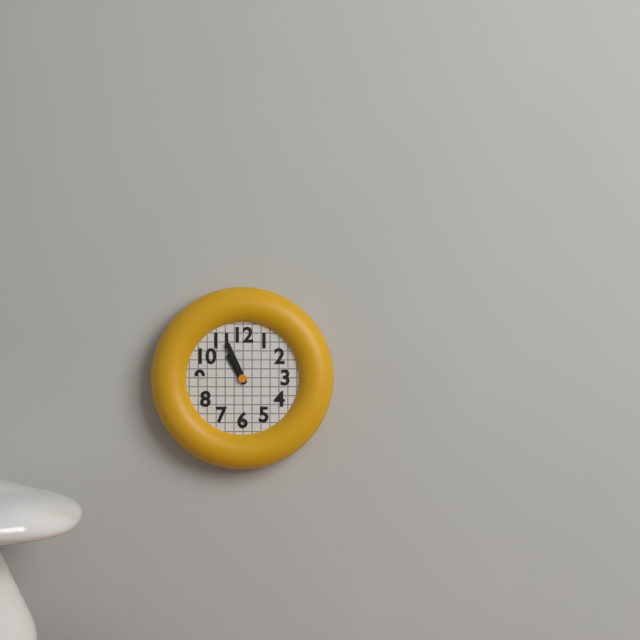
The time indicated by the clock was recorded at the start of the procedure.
10:56
